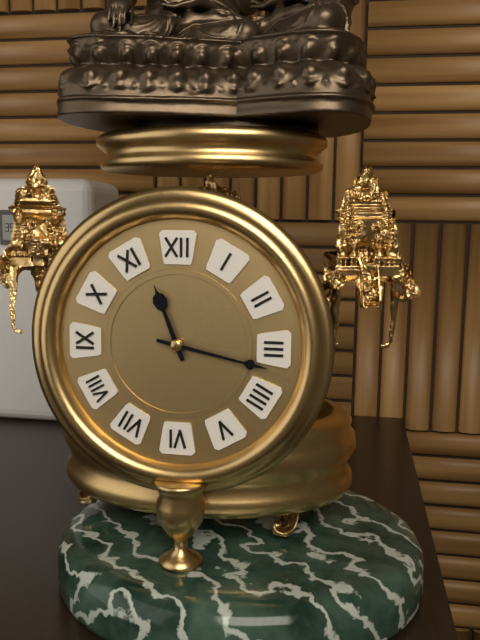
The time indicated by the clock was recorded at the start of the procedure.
11:17
